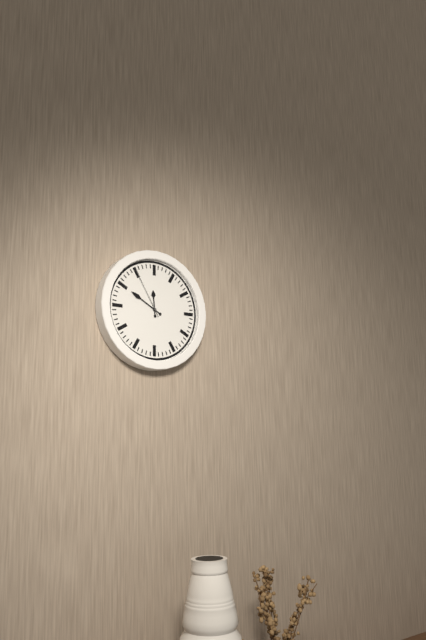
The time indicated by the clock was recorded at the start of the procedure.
11:50:55
